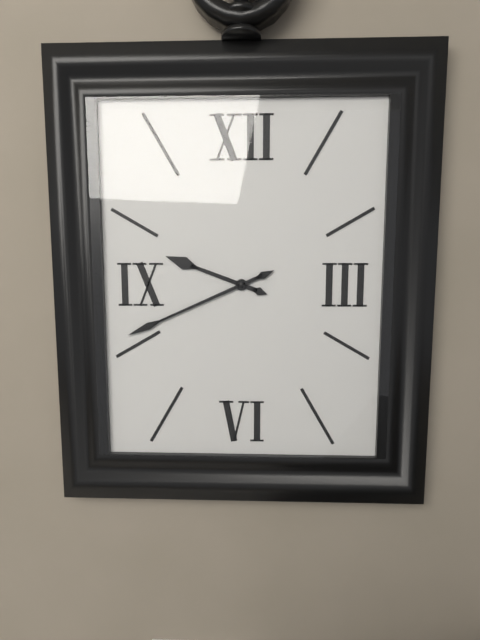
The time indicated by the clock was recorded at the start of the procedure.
9:41
